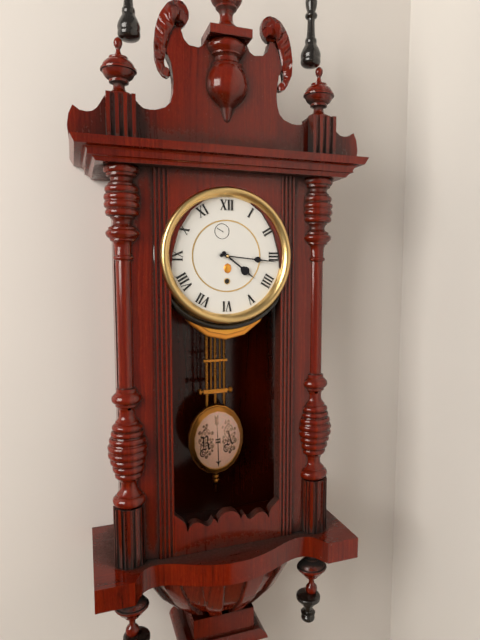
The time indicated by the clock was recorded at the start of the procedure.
4:16
